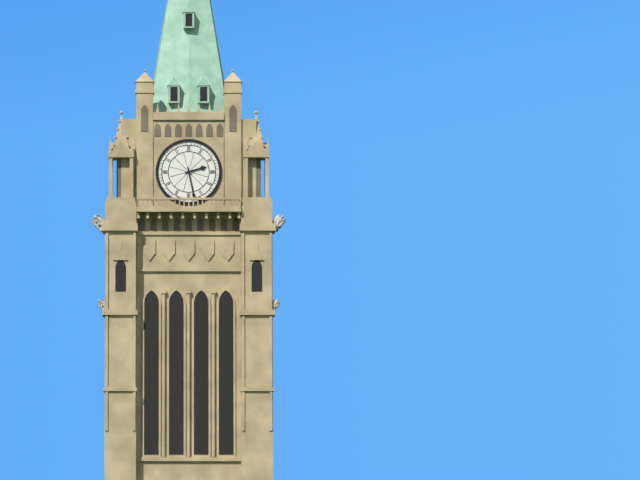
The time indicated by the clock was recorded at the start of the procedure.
2:28
